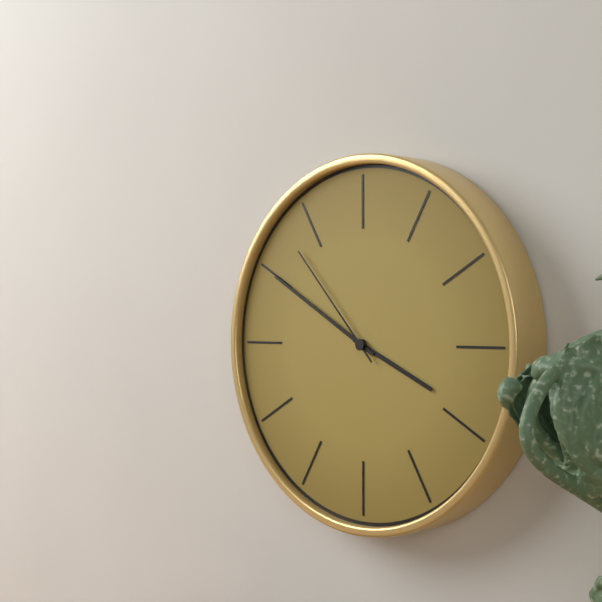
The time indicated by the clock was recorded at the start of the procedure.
3:50:53
